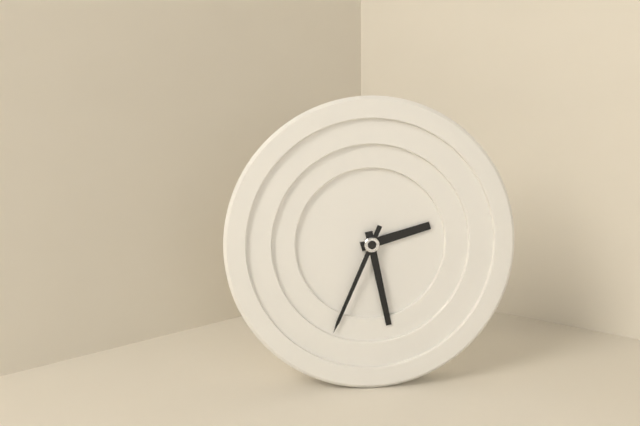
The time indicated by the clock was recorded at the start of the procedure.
2:28:34
